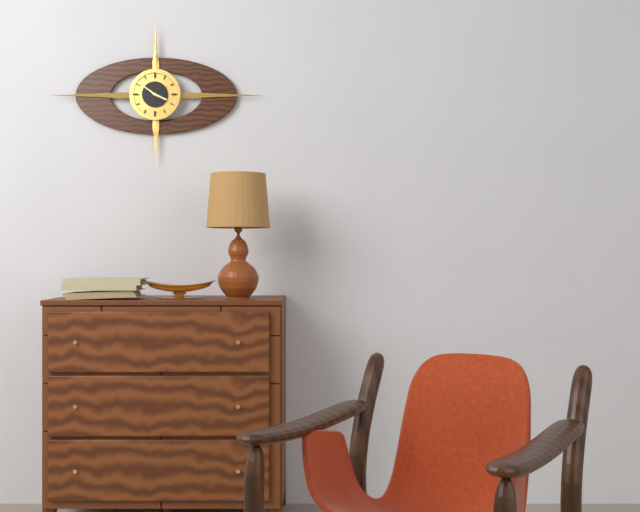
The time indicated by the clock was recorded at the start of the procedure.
3:51
